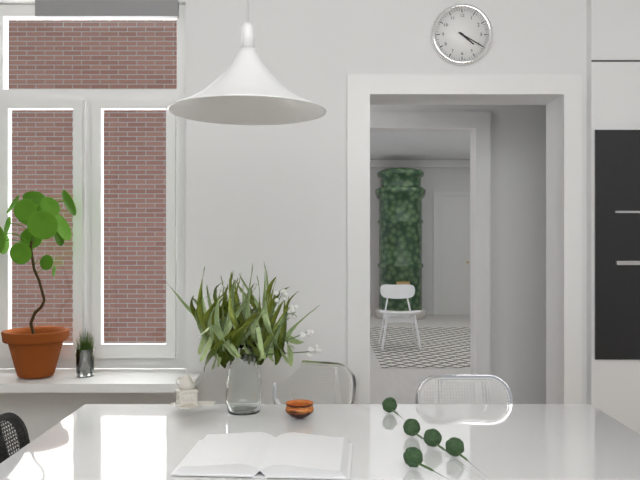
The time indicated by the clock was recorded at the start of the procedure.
4:20
